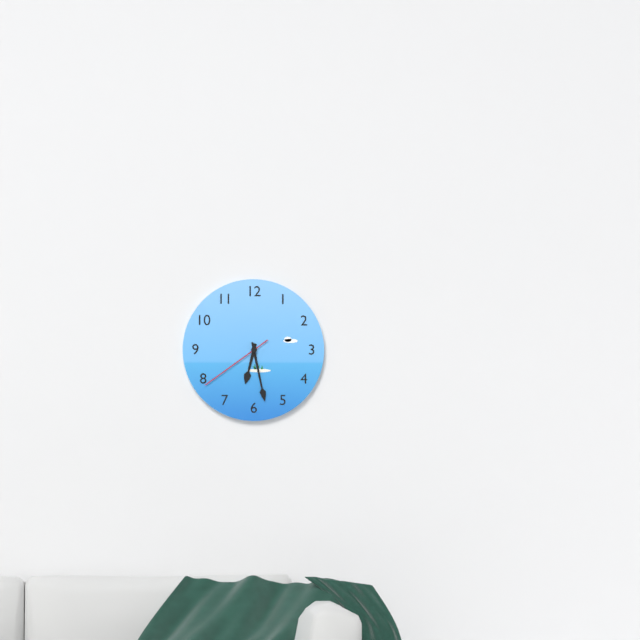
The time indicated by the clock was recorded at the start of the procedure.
6:28:39
